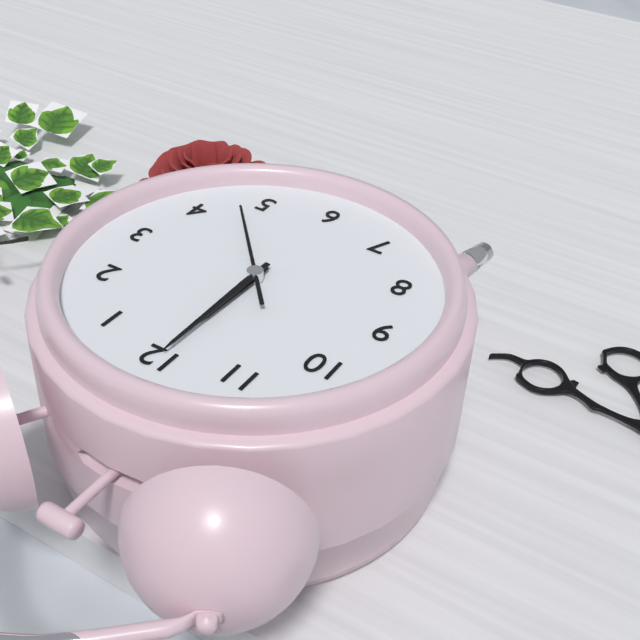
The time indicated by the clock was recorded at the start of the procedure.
12:00:23
